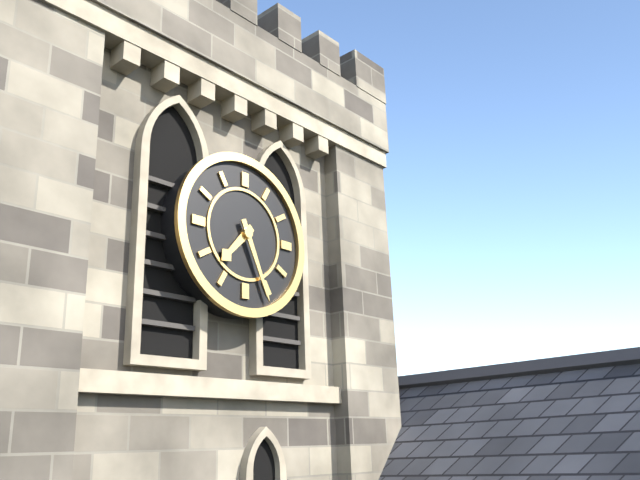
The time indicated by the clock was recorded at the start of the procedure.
7:26
